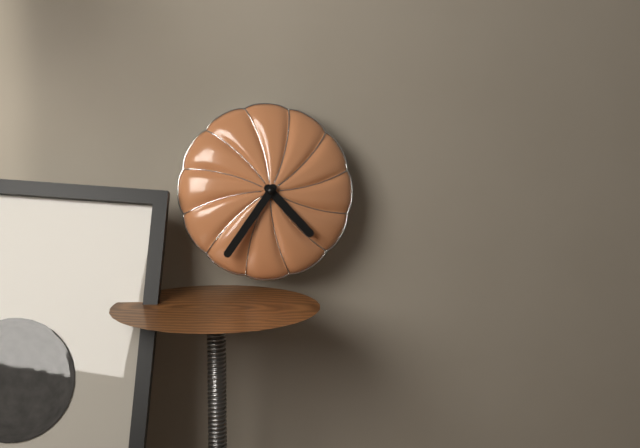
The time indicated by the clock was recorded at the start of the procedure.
4:36
